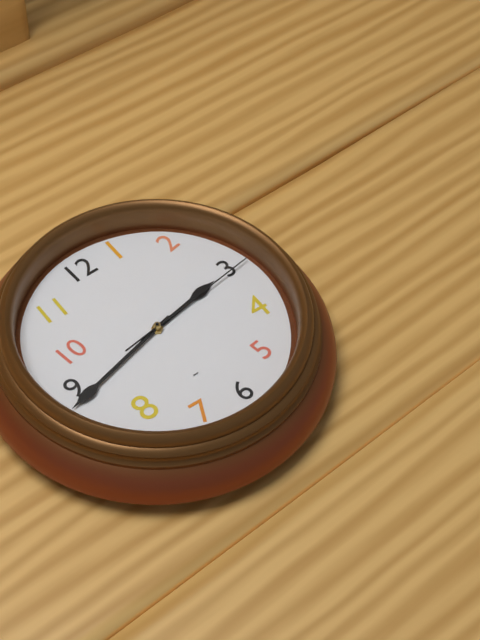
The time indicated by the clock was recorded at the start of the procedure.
2:43:14
